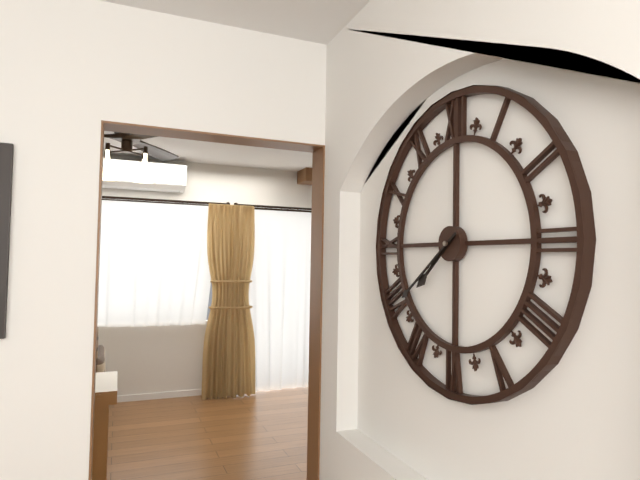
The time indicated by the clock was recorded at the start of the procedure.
7:39
